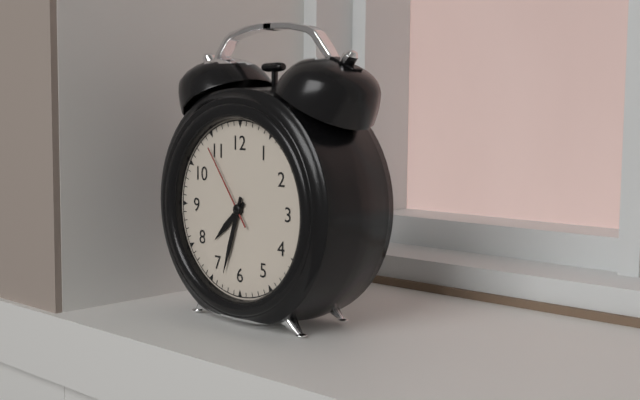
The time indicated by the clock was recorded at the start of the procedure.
7:33:54
